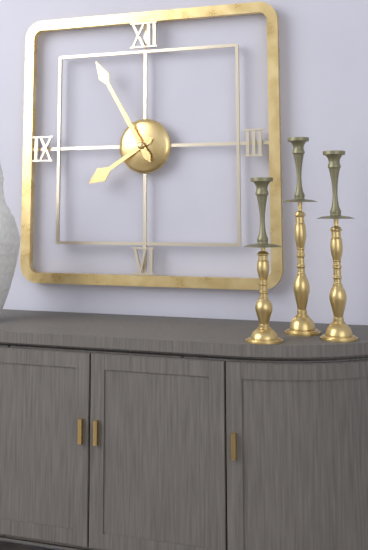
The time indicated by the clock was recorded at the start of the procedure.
7:55
